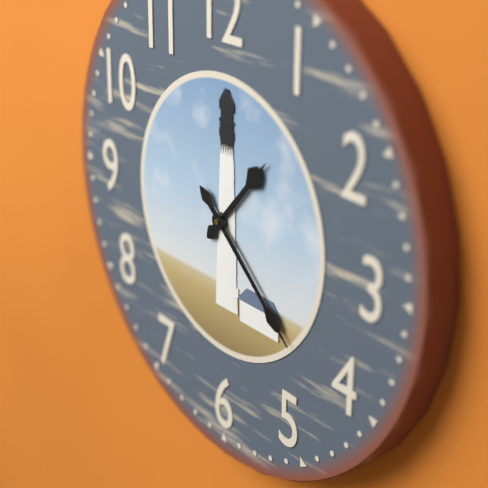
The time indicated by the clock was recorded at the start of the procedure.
1:22
